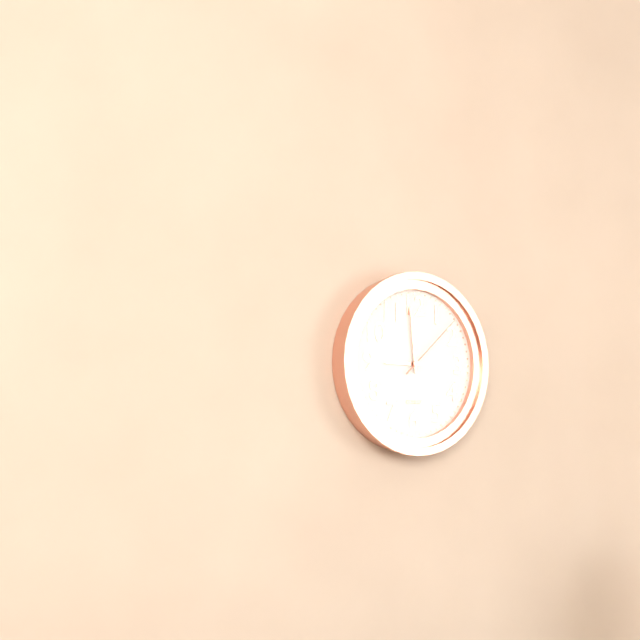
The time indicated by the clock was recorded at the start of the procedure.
8:59:08
